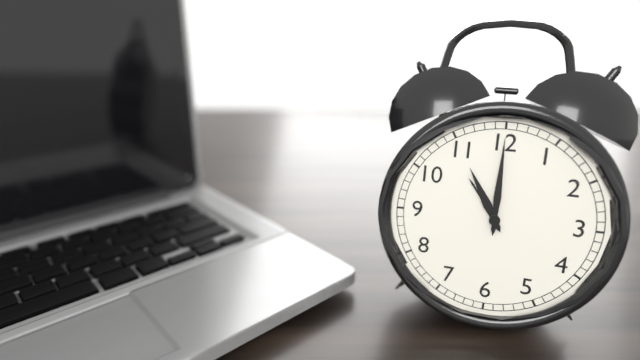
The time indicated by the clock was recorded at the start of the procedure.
11:00
